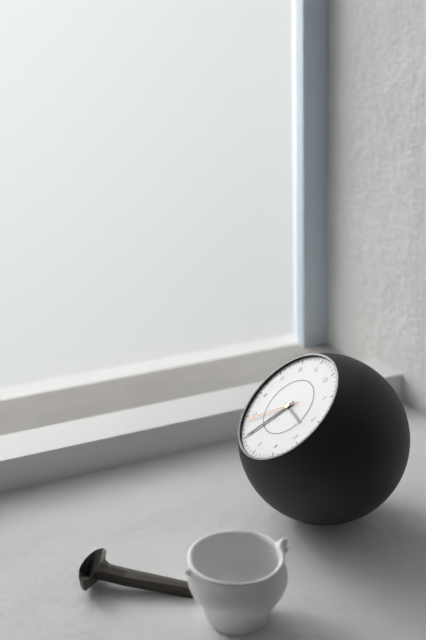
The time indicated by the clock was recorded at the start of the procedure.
2:30:34
